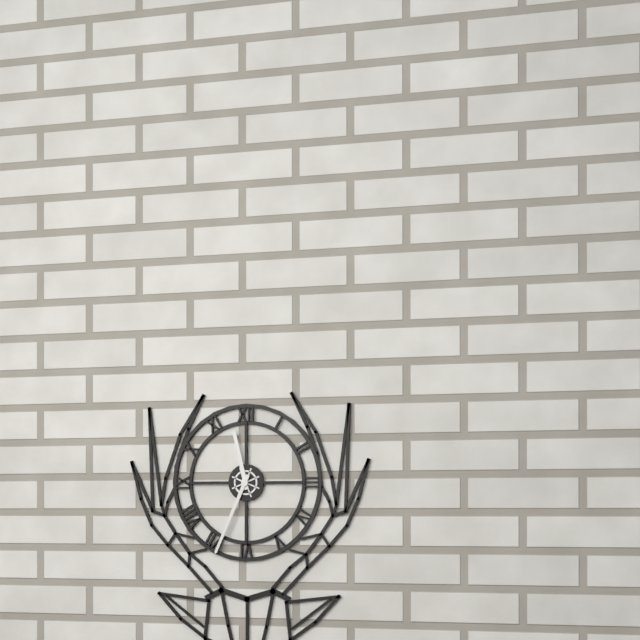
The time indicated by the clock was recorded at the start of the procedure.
11:34
